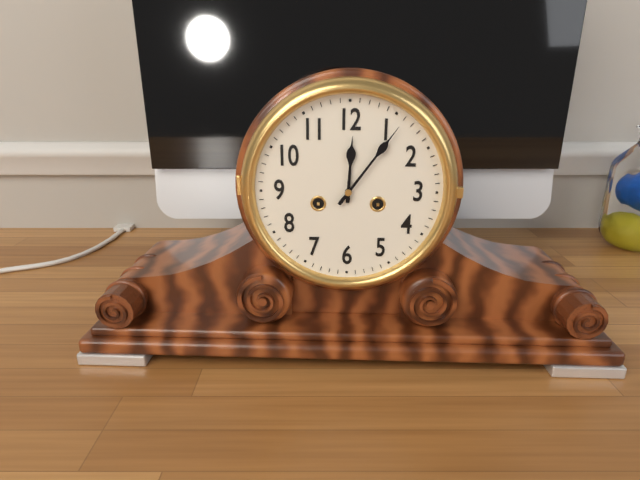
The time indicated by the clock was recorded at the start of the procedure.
12:06
